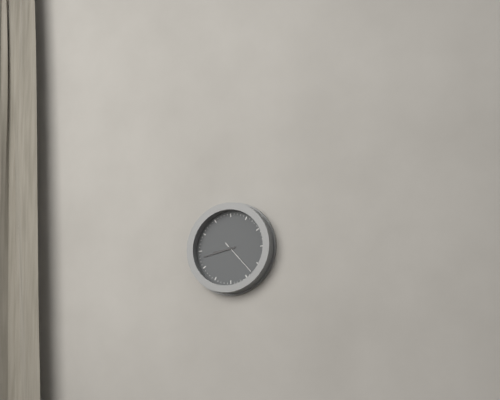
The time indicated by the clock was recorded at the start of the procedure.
8:43
